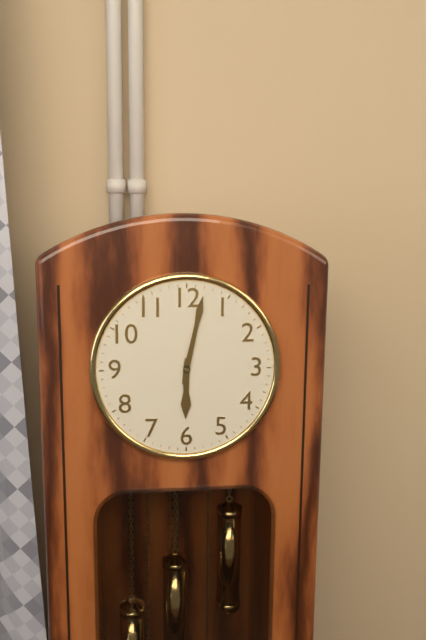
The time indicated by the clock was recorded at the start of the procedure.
6:02
